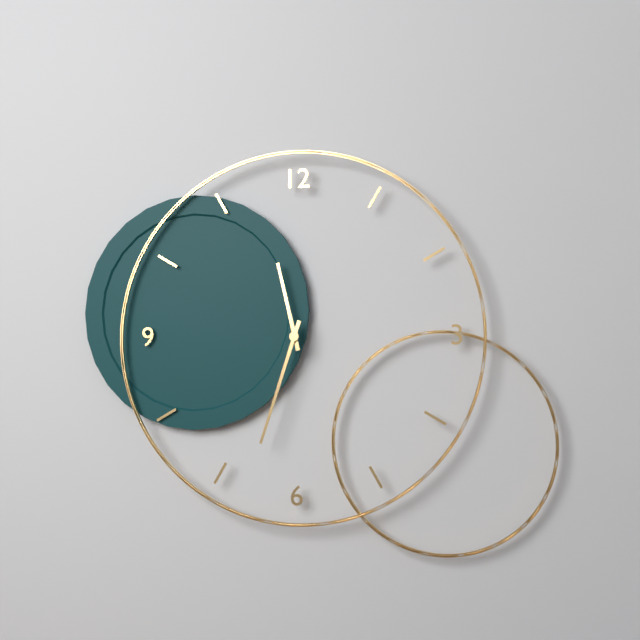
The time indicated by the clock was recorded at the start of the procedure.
11:33
